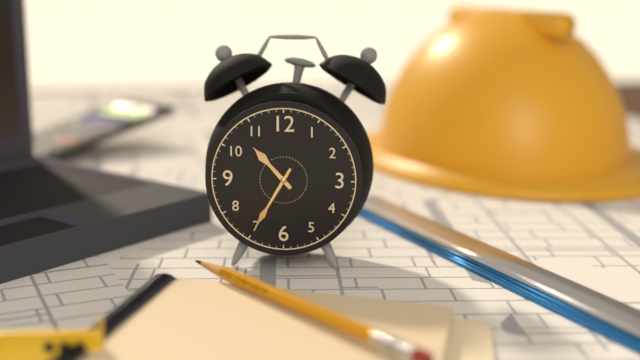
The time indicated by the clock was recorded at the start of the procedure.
10:35
